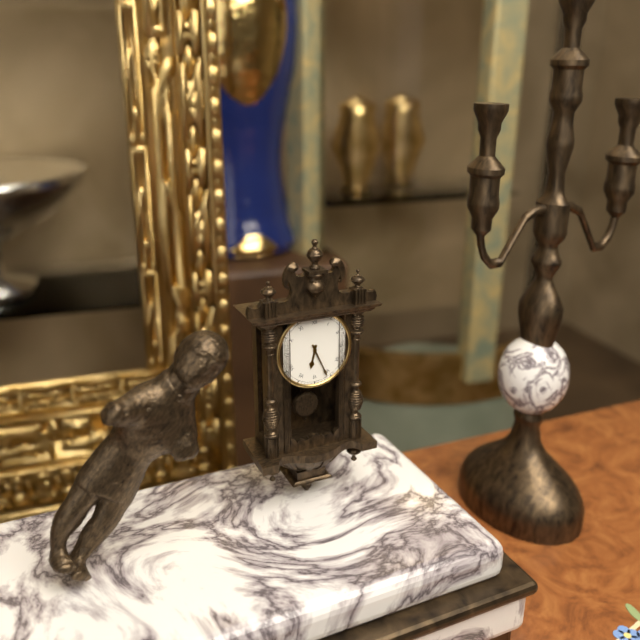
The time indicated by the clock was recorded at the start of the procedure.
6:26
